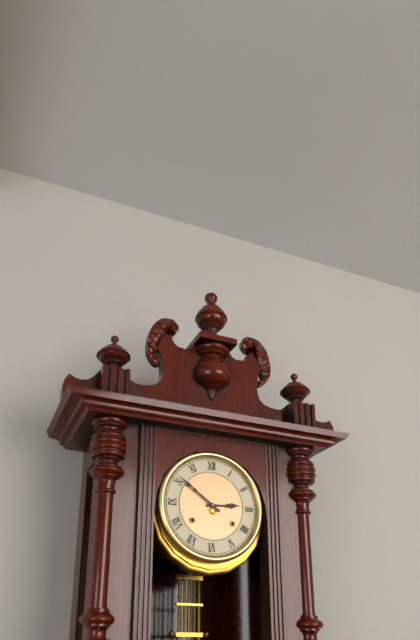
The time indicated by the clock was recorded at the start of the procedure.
2:51
